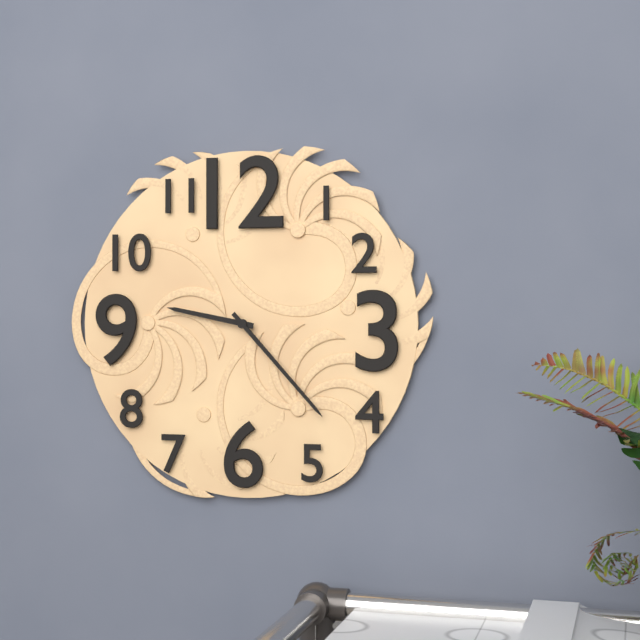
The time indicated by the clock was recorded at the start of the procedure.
9:23
